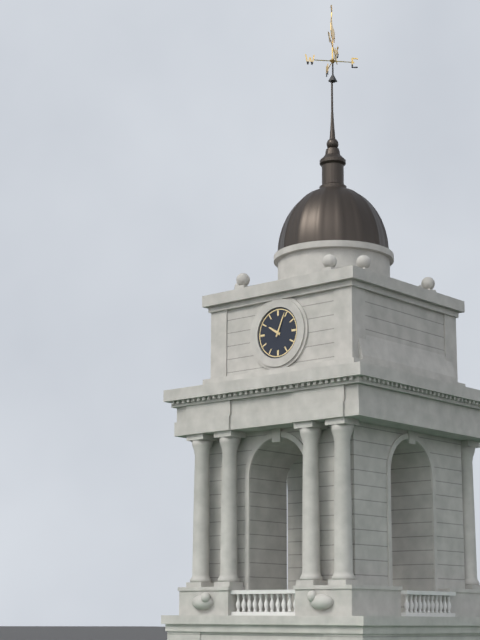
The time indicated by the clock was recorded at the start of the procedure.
10:04
